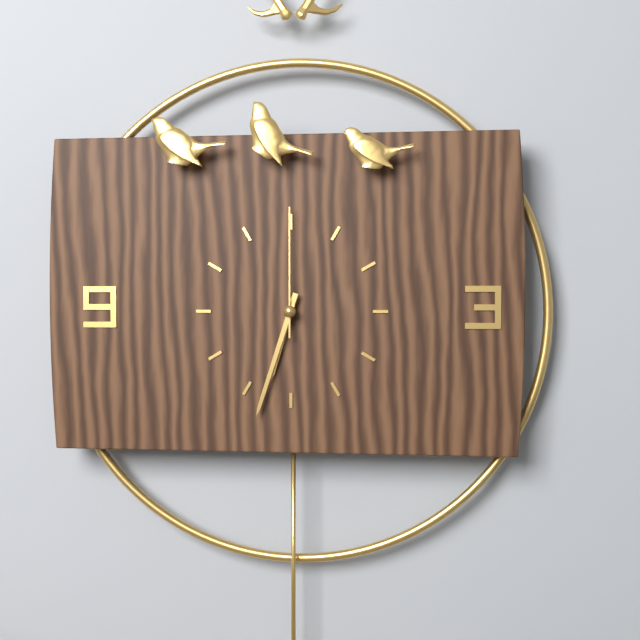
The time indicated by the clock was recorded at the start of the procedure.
6:33:00
